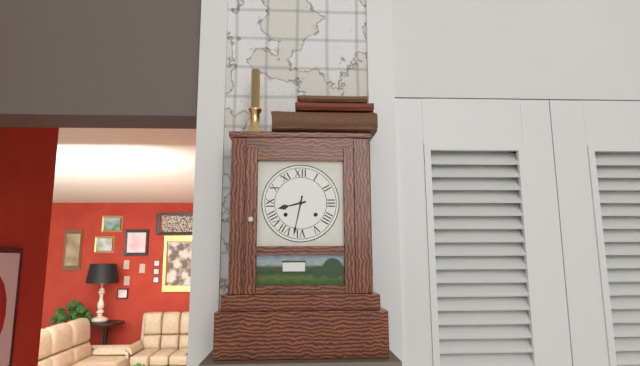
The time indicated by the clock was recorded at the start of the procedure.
8:32
